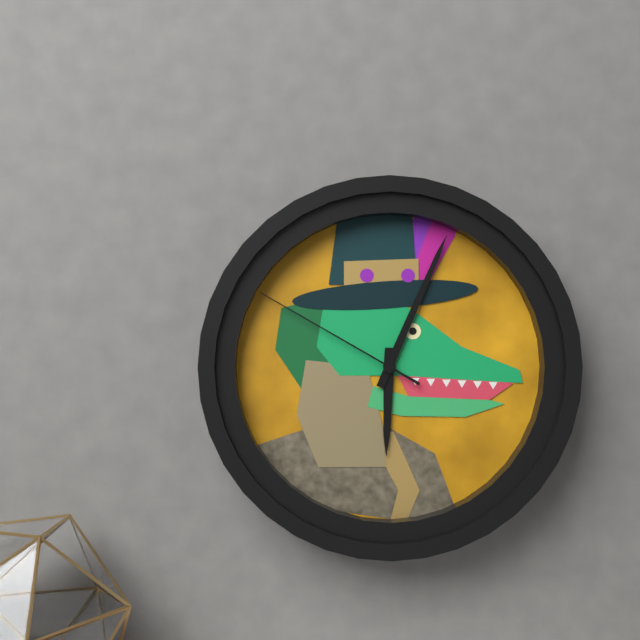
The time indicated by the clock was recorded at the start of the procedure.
6:04:50
